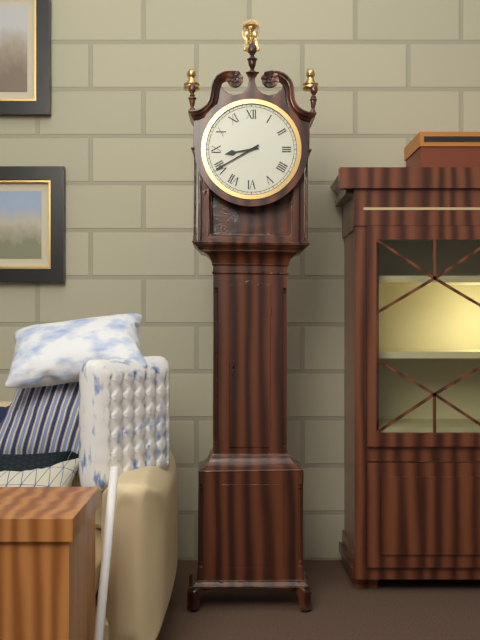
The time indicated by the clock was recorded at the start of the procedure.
8:40
